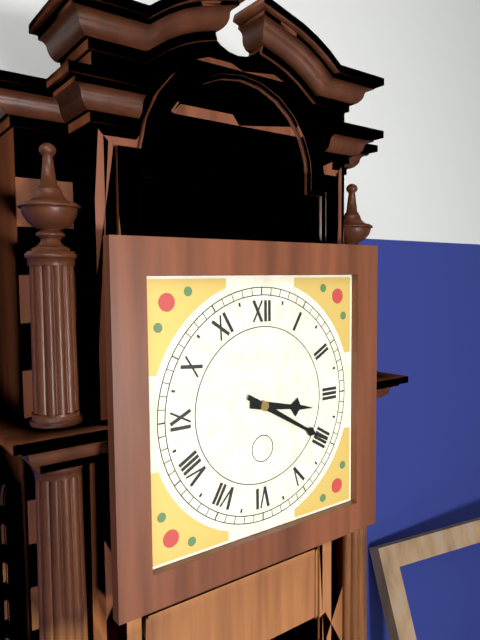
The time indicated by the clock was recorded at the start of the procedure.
3:20
